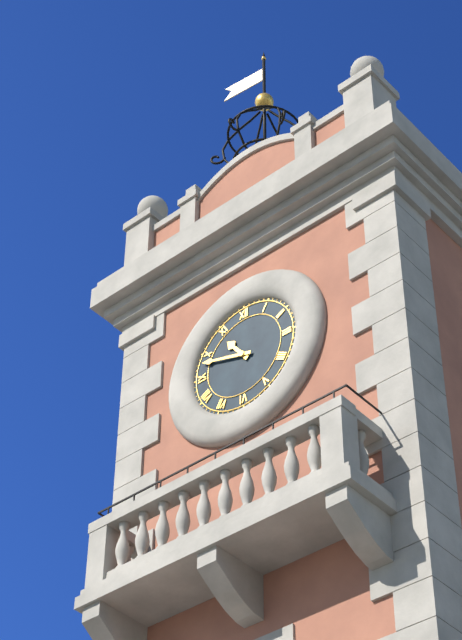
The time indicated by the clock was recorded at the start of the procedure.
10:48
